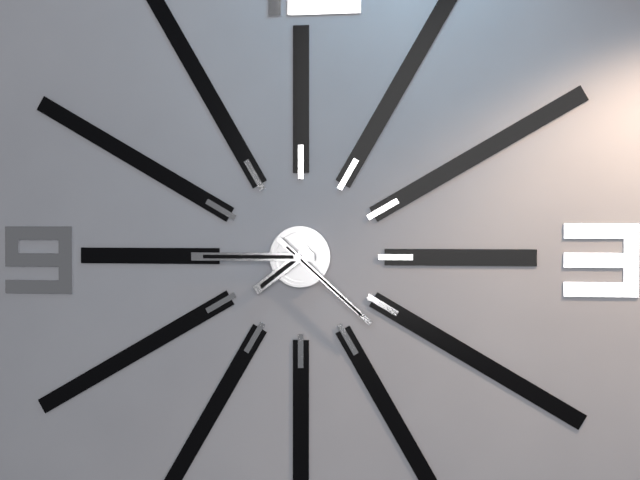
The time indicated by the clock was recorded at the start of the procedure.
7:45:22
